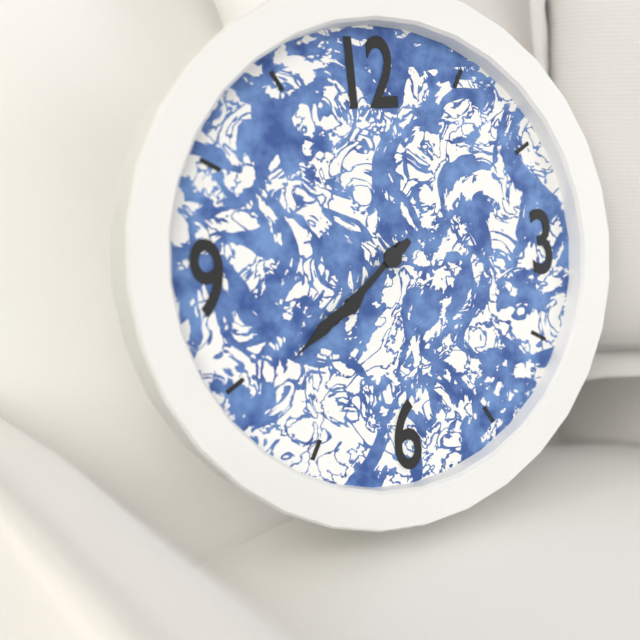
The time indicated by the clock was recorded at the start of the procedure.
7:39
